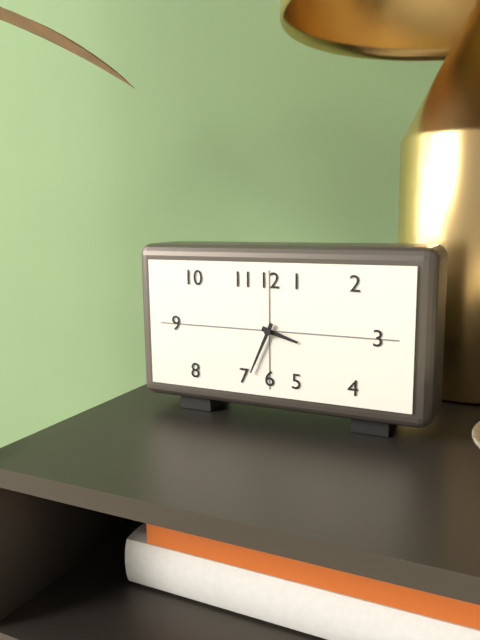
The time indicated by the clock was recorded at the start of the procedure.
3:34
